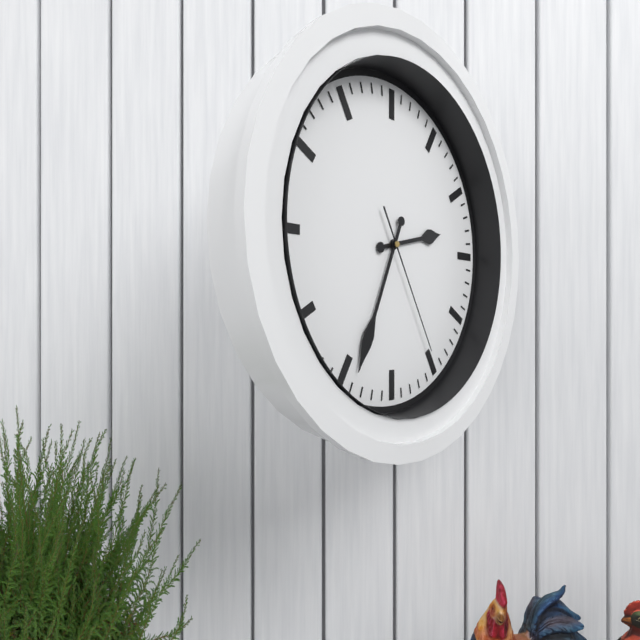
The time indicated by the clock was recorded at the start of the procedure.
2:34:25
